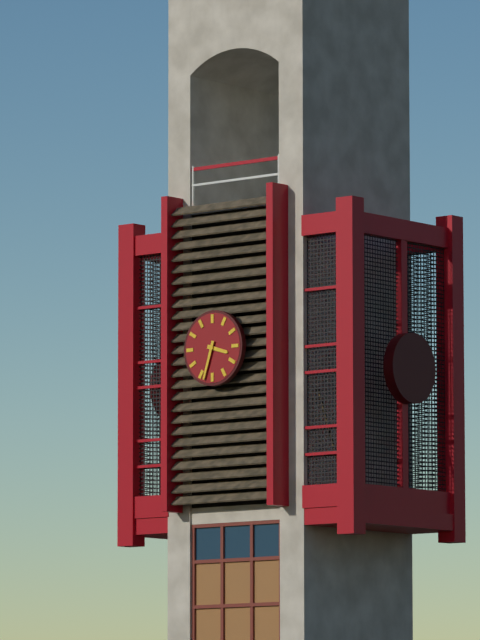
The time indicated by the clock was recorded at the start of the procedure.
3:33
